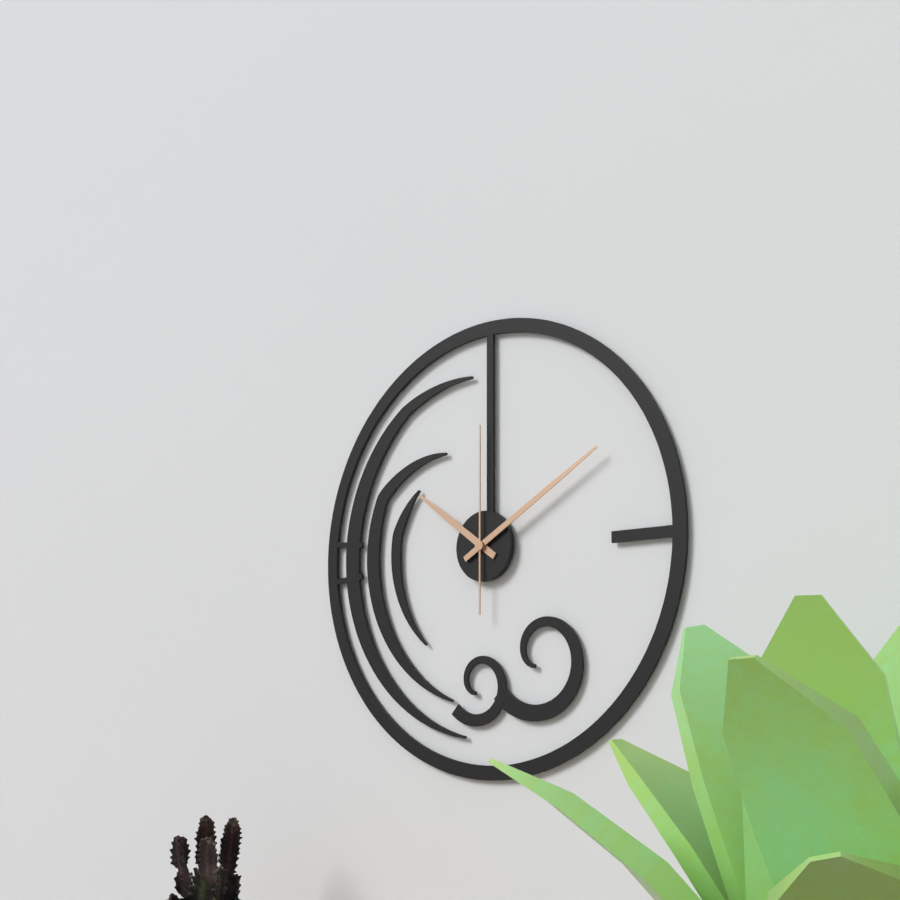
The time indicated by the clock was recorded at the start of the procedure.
10:10:00
